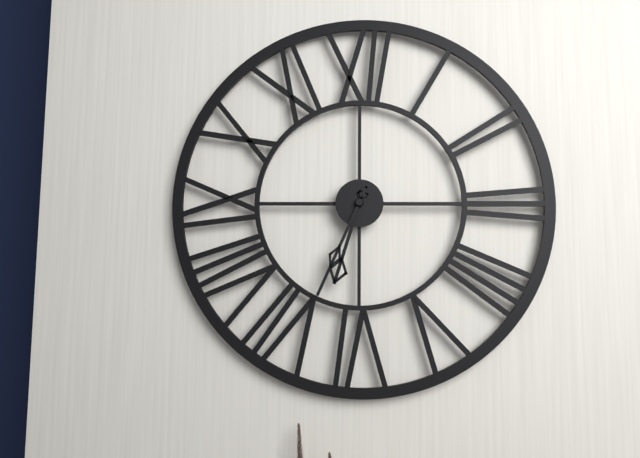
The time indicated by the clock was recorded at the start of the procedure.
6:34
